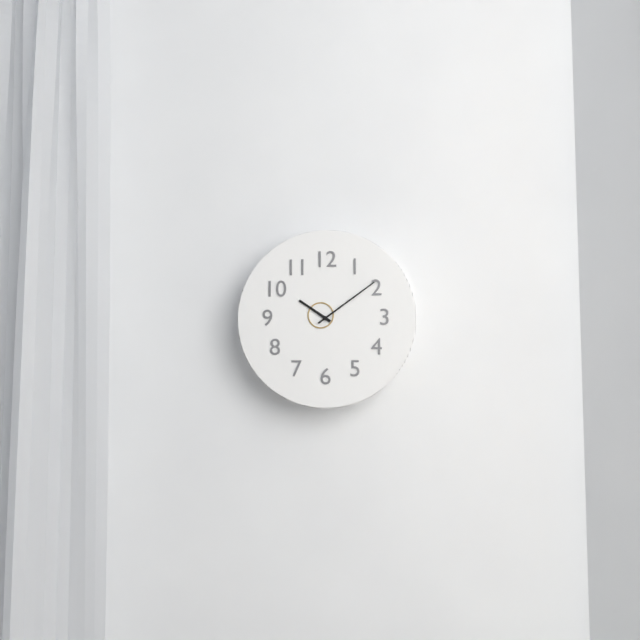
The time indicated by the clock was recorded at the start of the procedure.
10:09
